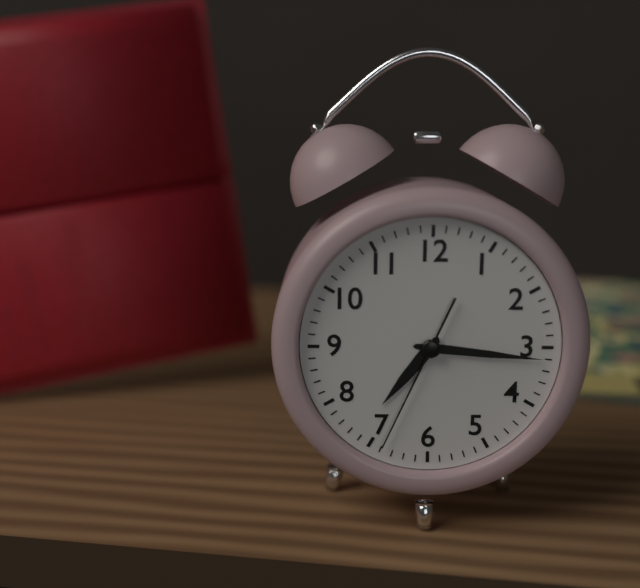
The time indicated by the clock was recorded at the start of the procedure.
7:16:34
